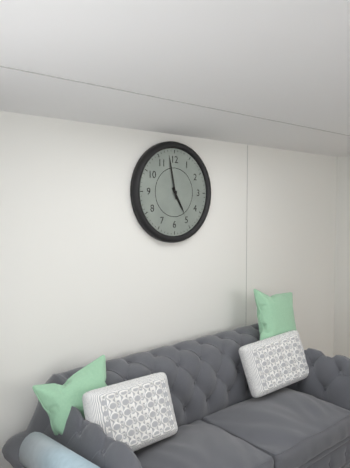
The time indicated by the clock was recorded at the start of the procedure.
4:58
